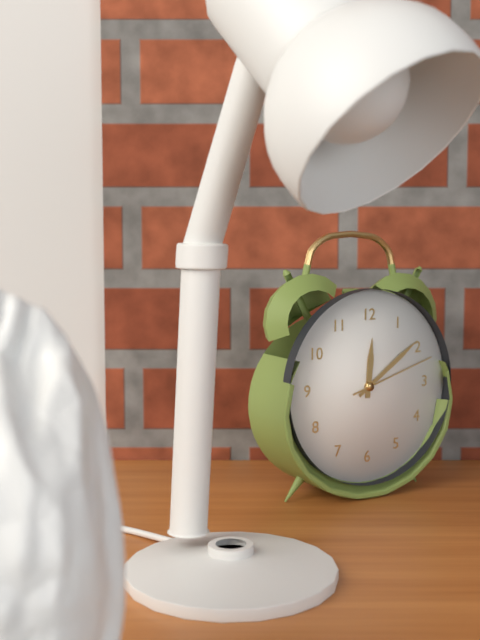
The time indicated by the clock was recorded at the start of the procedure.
12:09:12
